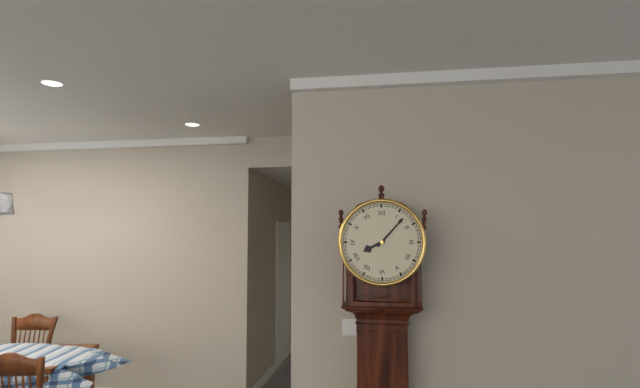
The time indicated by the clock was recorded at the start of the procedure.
8:07
